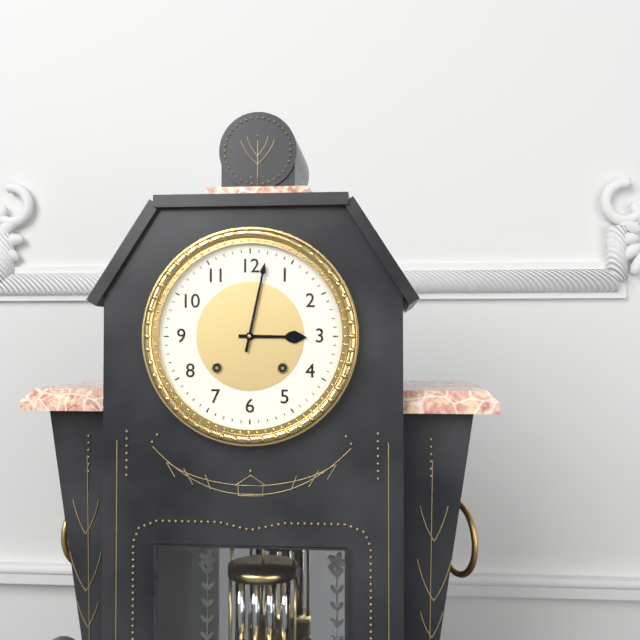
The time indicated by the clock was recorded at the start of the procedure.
3:02
